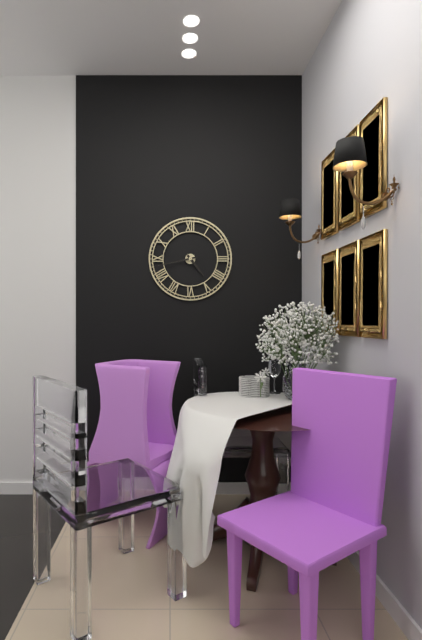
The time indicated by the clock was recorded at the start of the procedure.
4:43
